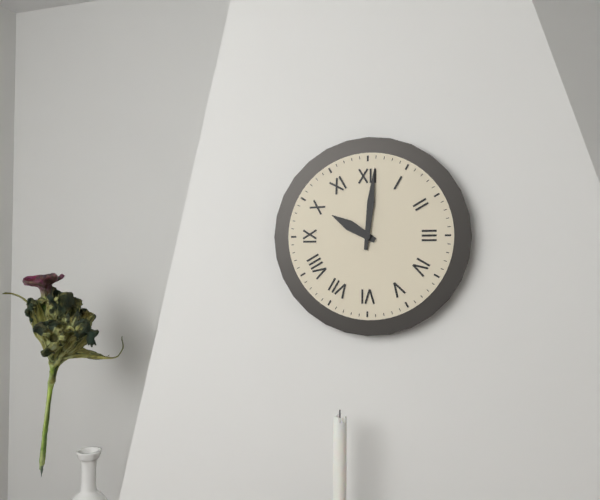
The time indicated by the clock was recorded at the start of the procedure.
10:01
